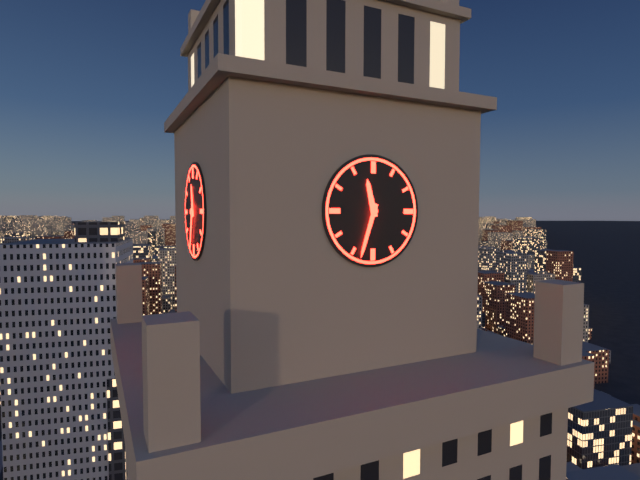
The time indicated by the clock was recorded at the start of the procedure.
11:33
